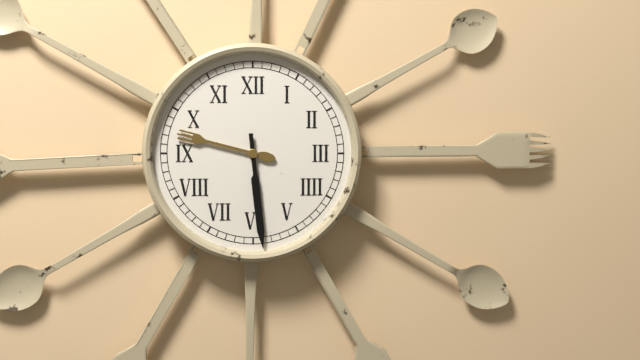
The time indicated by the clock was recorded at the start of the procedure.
9:29
